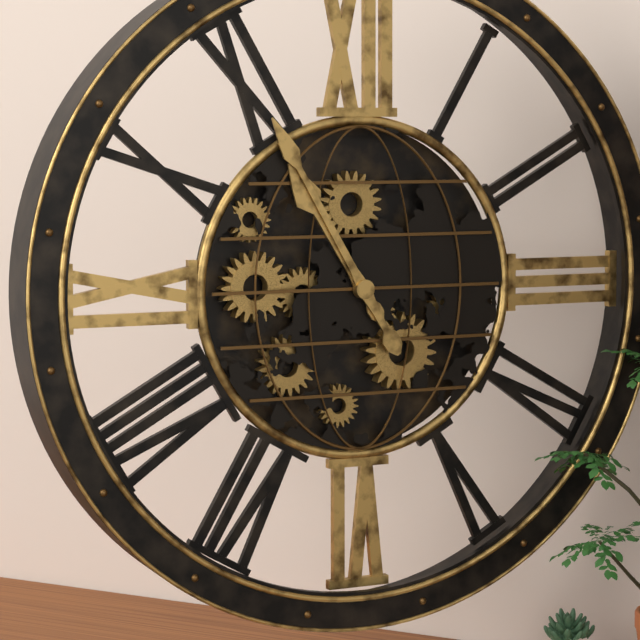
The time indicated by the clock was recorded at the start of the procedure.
10:55
